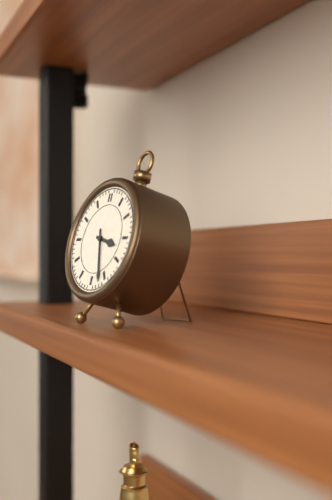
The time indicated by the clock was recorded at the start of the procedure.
3:27
